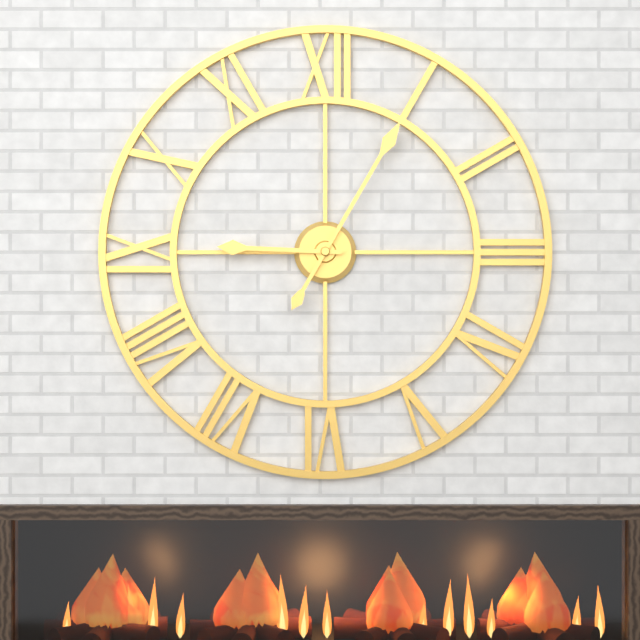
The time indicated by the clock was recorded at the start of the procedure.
9:05
